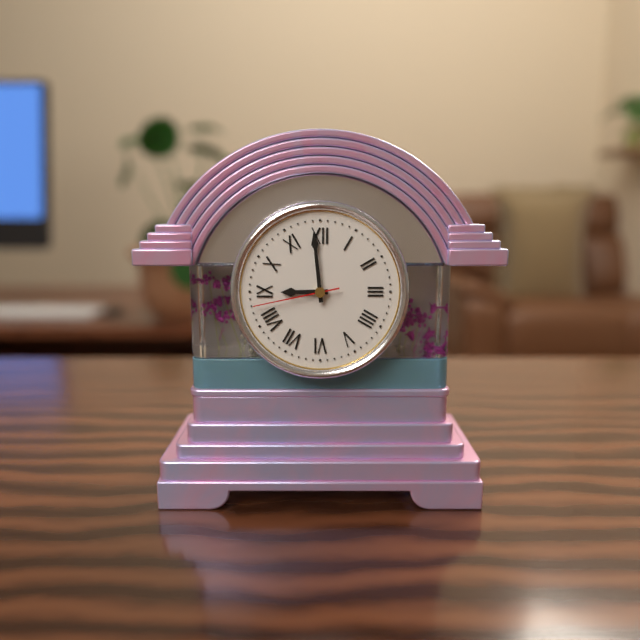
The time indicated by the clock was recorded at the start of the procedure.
8:59:43
